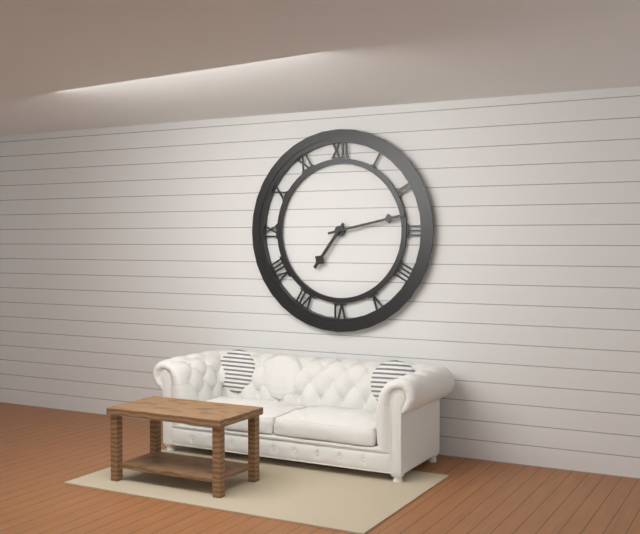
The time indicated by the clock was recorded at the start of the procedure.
7:13
